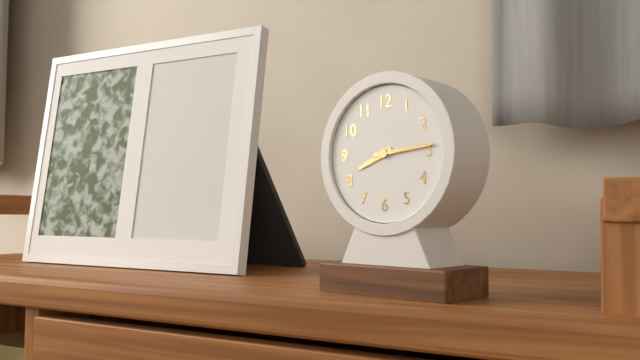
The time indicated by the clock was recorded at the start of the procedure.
8:14
